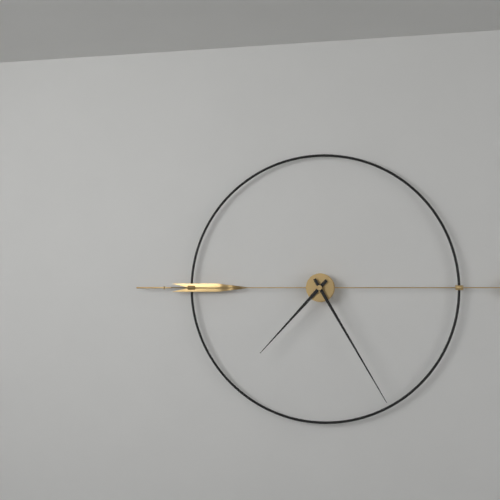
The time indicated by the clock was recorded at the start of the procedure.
7:25
